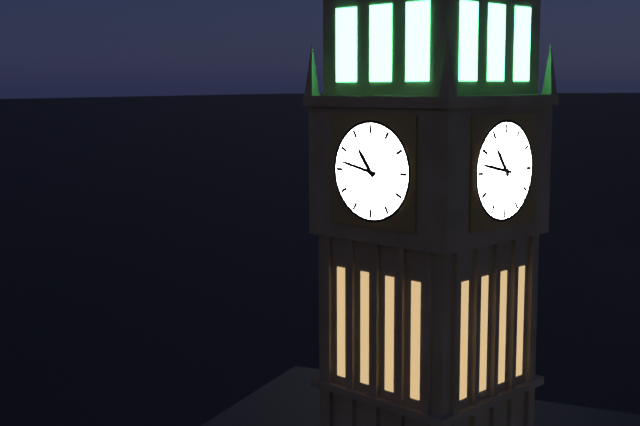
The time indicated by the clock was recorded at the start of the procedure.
10:47
